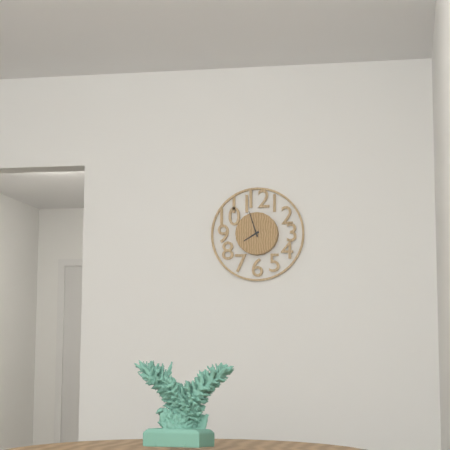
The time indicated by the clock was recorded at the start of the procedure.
7:57
